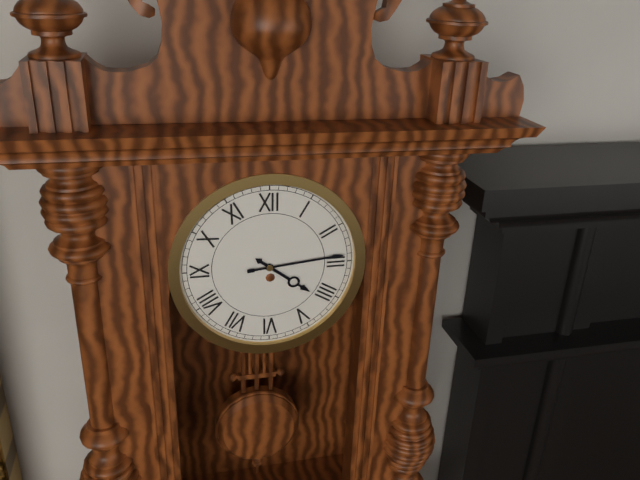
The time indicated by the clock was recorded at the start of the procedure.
4:14
